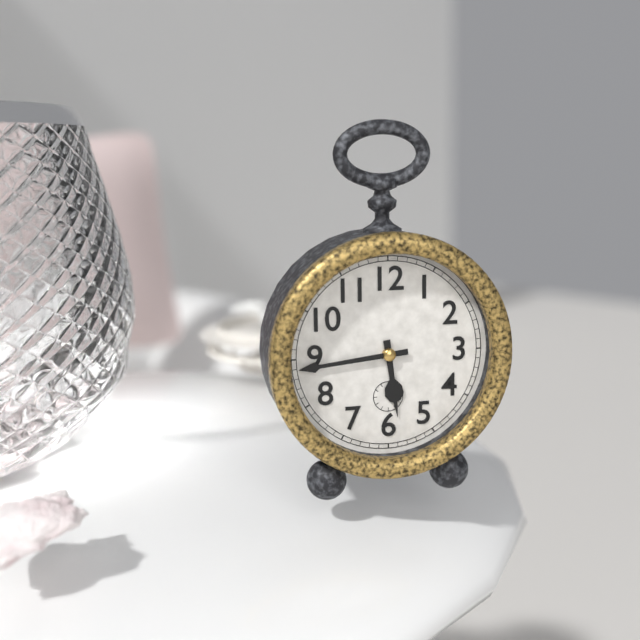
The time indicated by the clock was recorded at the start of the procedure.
5:44
